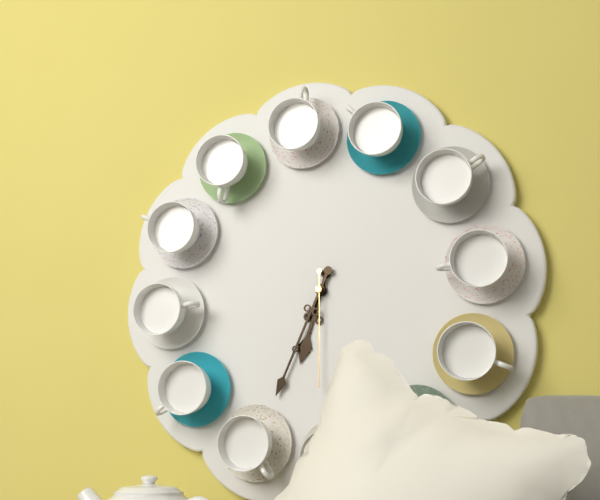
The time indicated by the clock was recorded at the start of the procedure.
6:34:30
